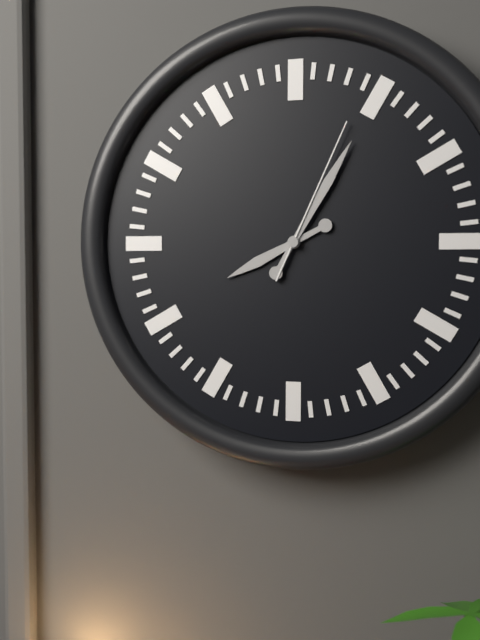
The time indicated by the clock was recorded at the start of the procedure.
8:05:04
